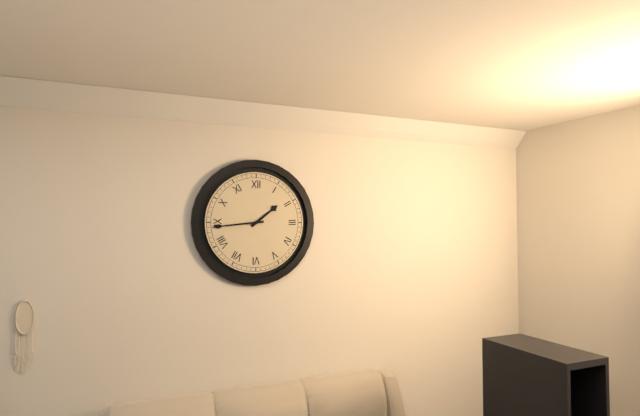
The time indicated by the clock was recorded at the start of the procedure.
1:44
